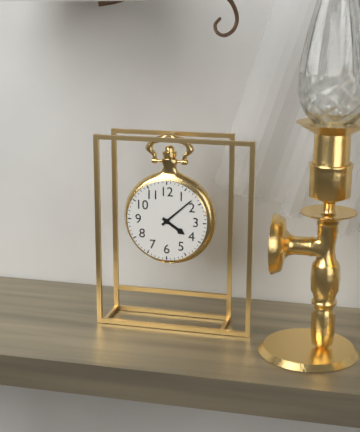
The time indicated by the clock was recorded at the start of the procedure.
4:08
